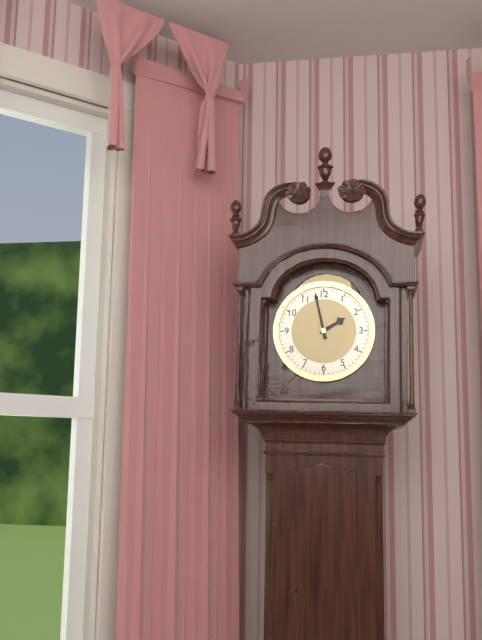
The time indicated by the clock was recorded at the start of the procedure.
1:58
